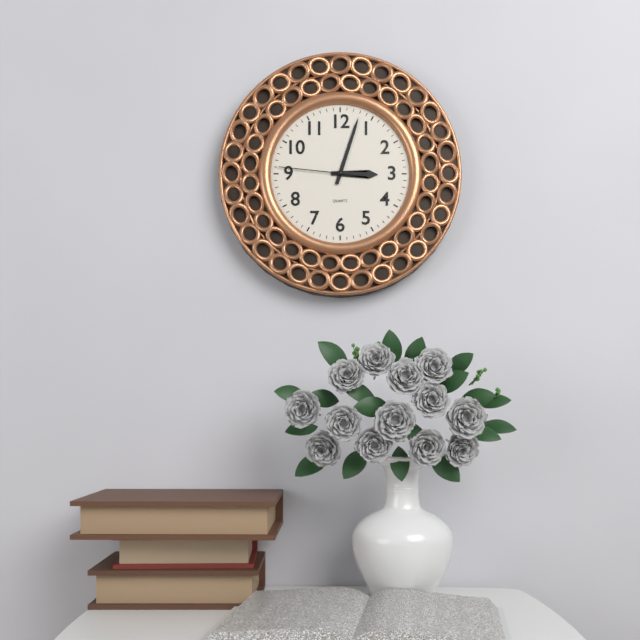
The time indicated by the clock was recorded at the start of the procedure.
3:03:46
